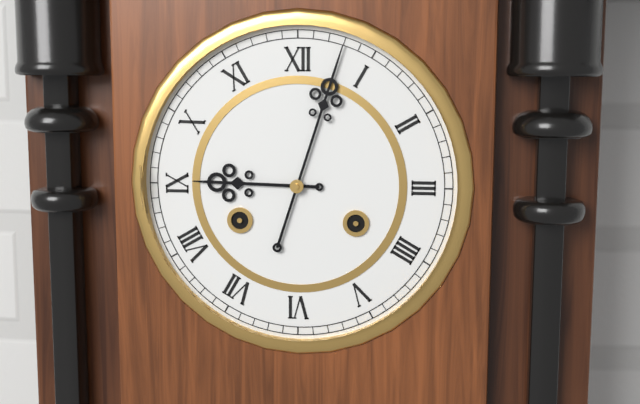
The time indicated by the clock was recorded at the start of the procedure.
9:03
